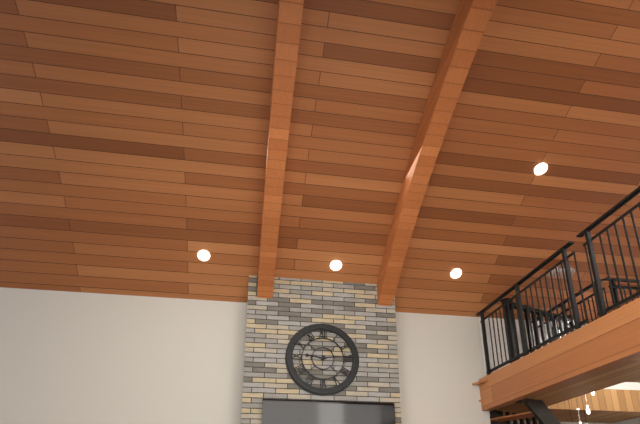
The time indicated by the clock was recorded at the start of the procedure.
9:14
